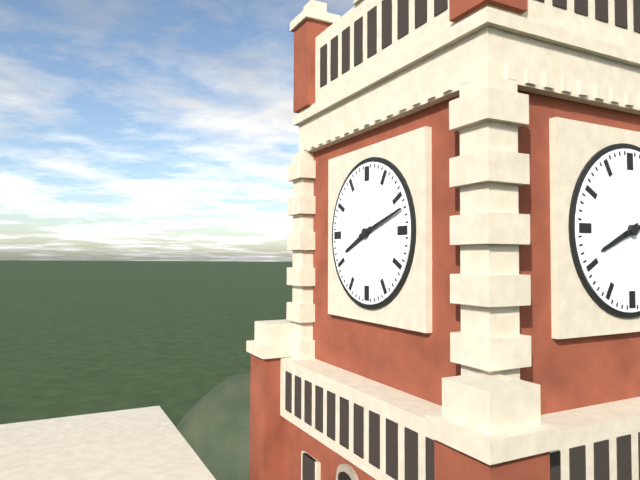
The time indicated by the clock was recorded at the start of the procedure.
8:12
